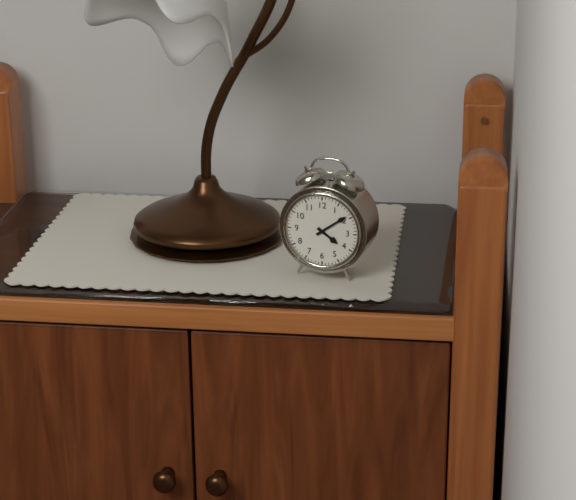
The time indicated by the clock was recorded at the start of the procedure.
4:09
